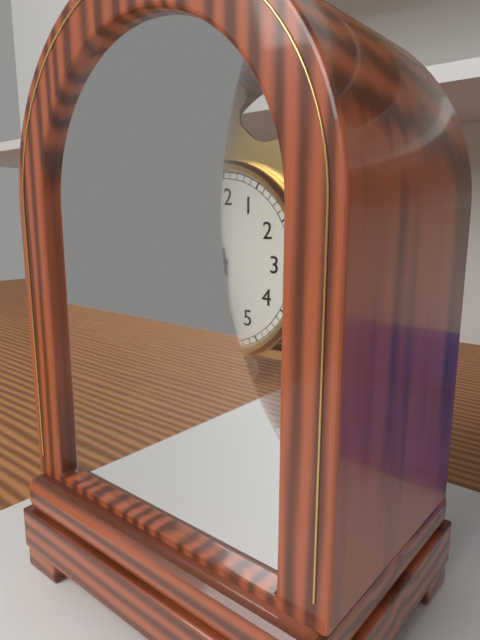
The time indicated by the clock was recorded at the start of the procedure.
11:29
